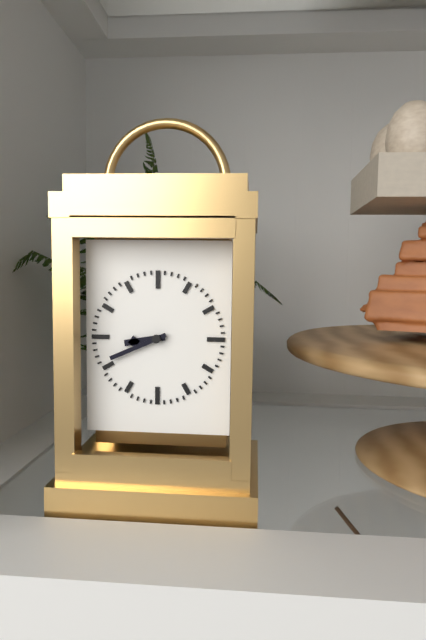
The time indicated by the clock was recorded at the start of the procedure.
8:41
